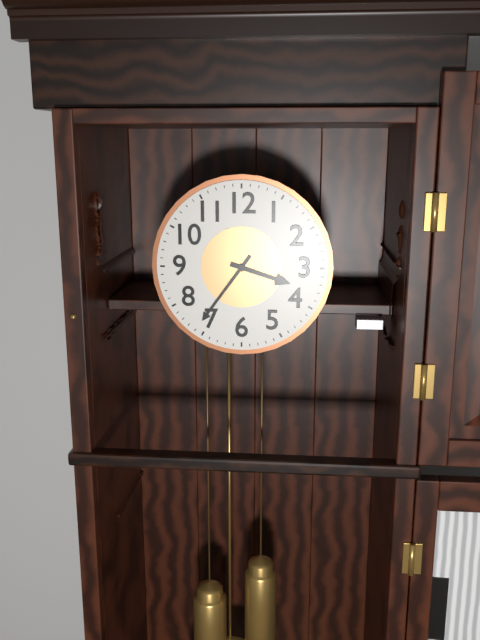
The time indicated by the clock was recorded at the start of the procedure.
3:36
